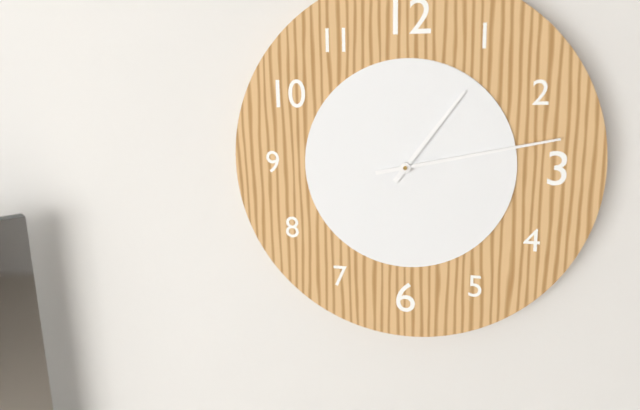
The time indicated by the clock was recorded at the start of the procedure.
1:13
